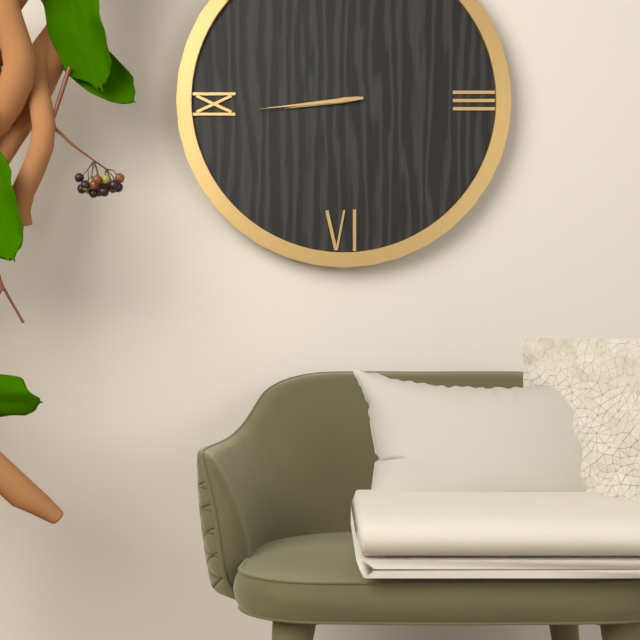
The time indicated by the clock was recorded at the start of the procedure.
8:44
